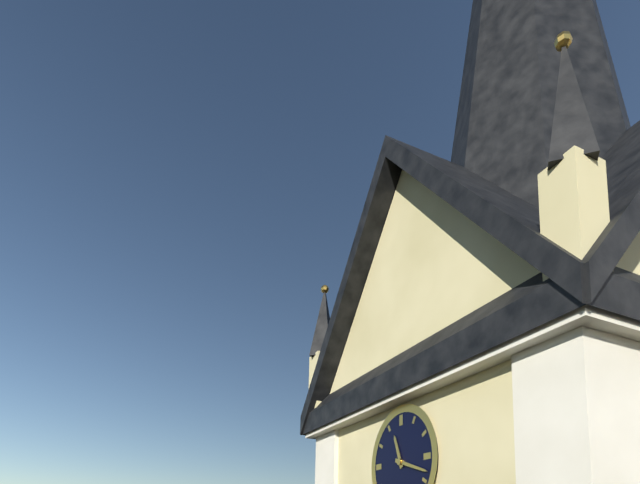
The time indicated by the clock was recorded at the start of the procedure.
11:18
